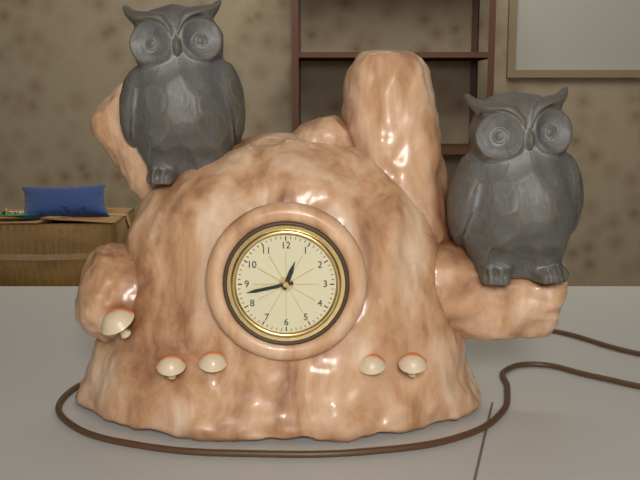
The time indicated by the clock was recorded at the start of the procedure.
12:43
